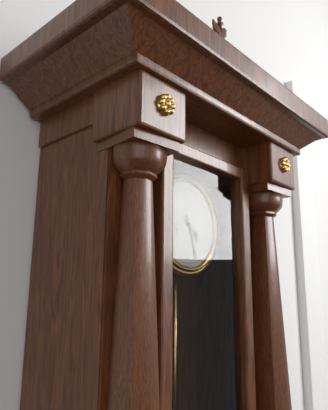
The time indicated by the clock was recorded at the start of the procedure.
4:27
